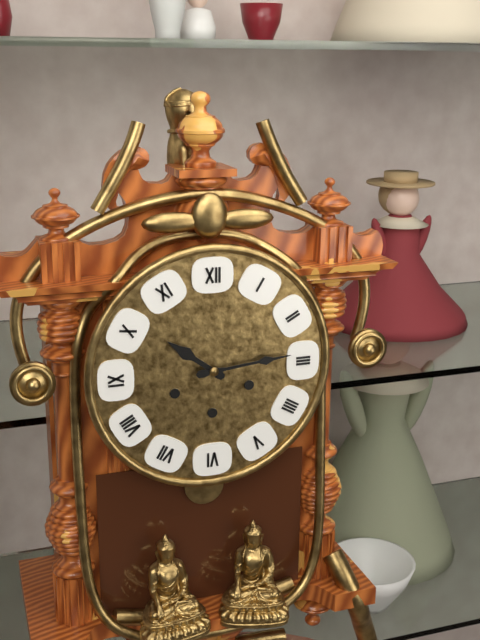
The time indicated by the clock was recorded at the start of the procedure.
10:14
